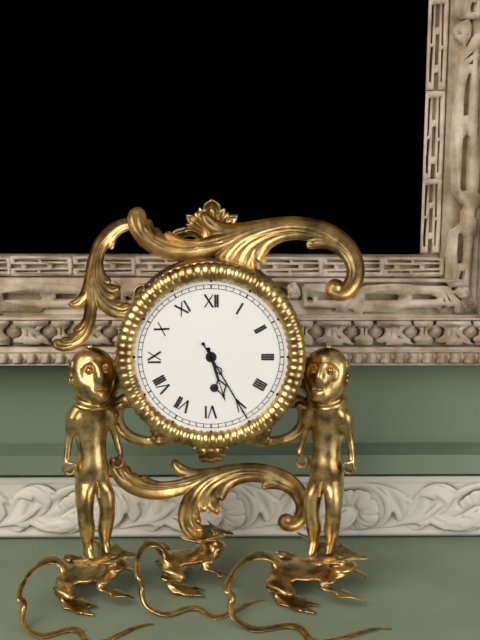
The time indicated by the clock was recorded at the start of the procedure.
5:25
